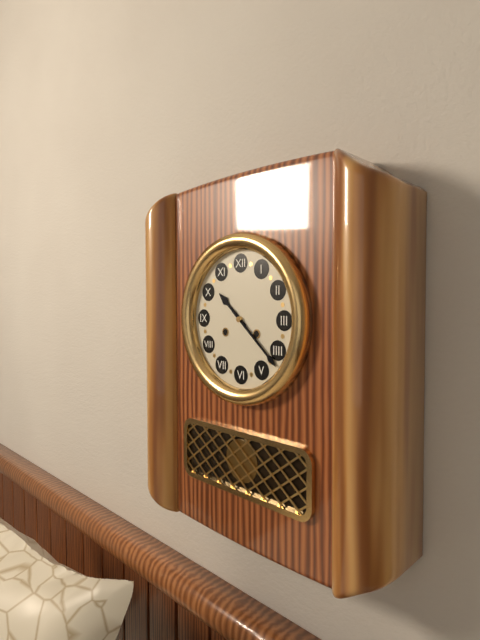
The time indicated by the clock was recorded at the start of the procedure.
10:22
